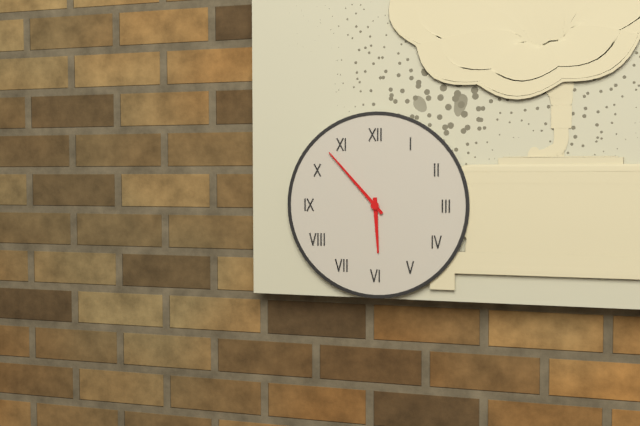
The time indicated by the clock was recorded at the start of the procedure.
5:53
